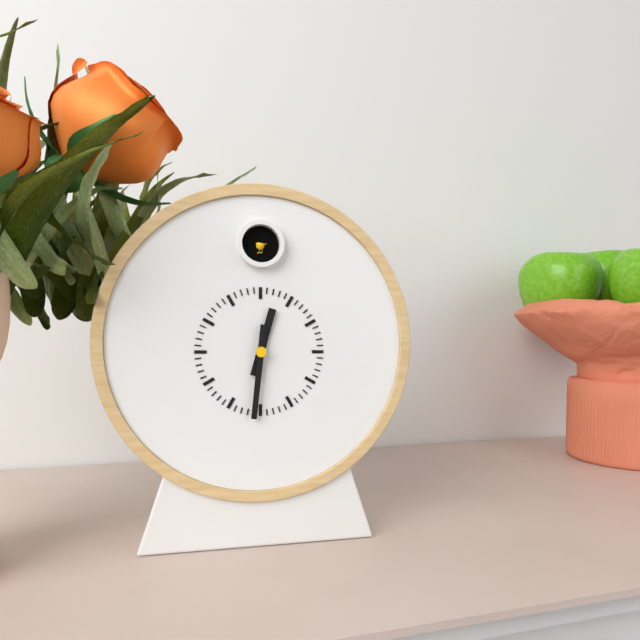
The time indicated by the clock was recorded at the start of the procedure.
12:31
